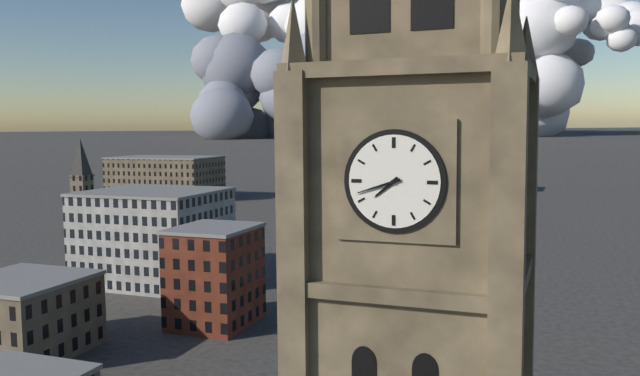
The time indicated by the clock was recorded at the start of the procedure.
7:42
